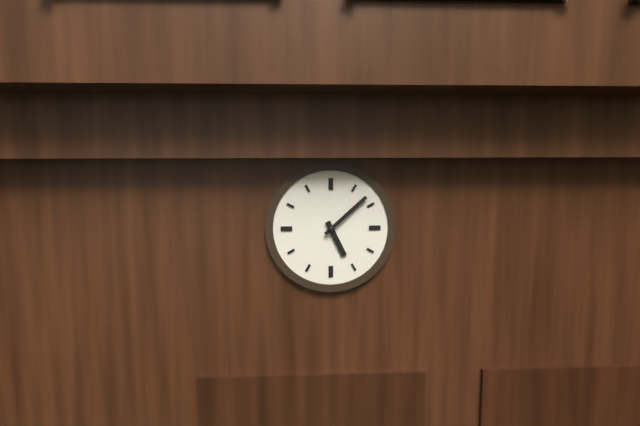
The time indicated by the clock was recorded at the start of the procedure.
5:08
